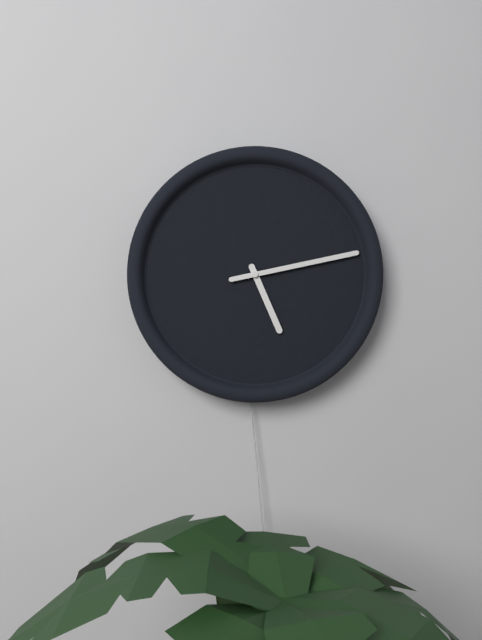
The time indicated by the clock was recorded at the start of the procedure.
5:13
